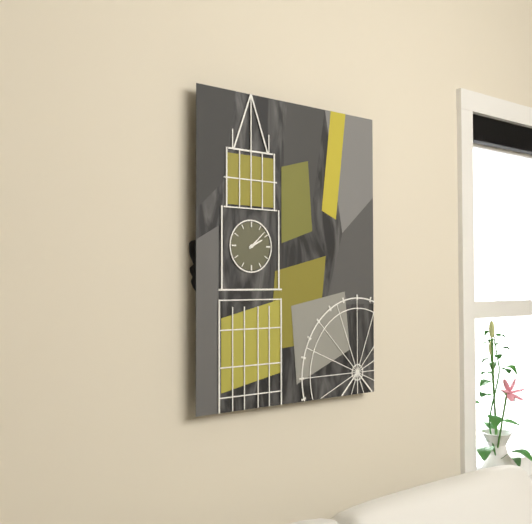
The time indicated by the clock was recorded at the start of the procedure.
2:08
